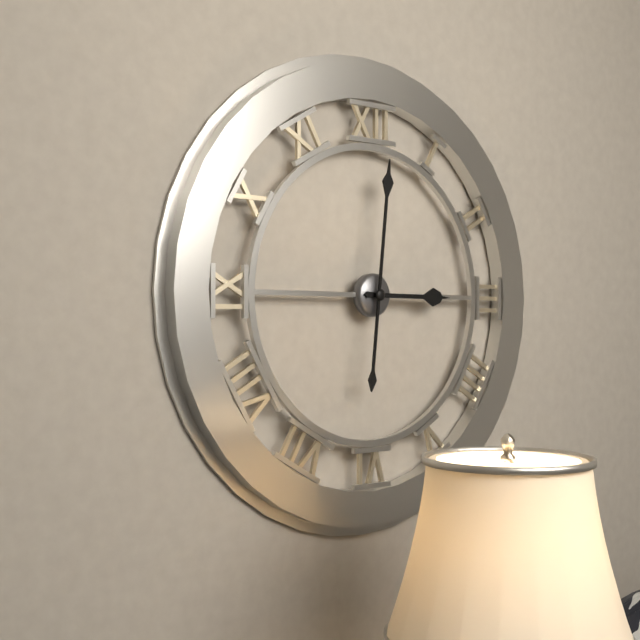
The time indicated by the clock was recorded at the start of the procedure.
3:01
